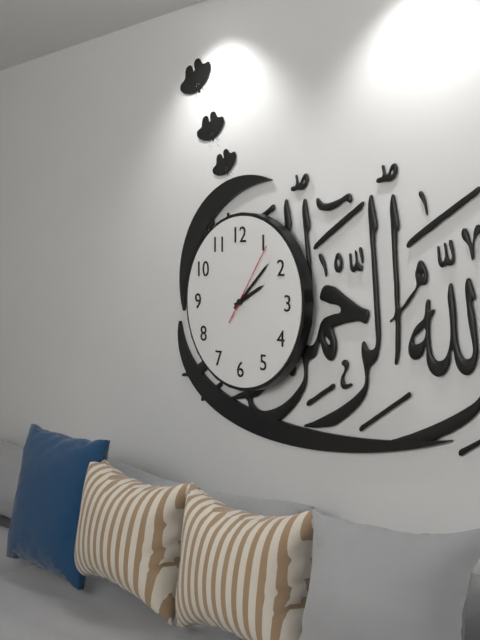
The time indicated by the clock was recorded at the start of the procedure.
2:08:06
